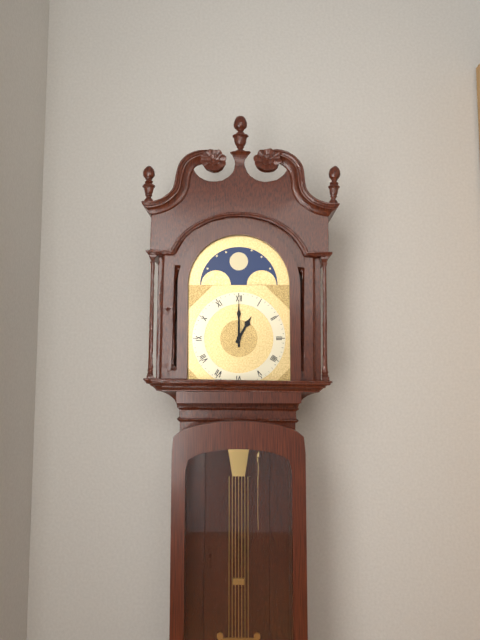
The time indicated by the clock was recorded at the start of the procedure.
1:00
